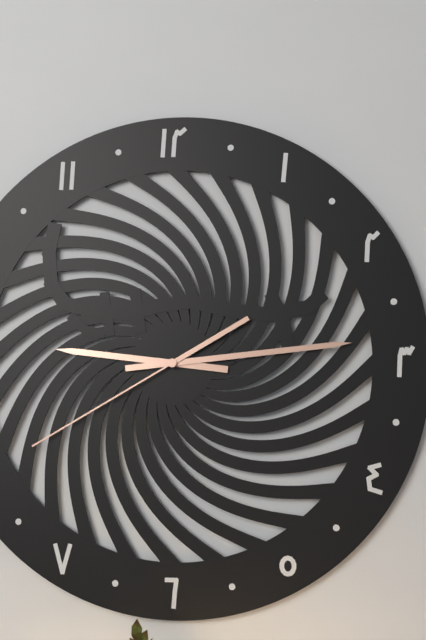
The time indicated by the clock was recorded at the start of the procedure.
9:14:40
